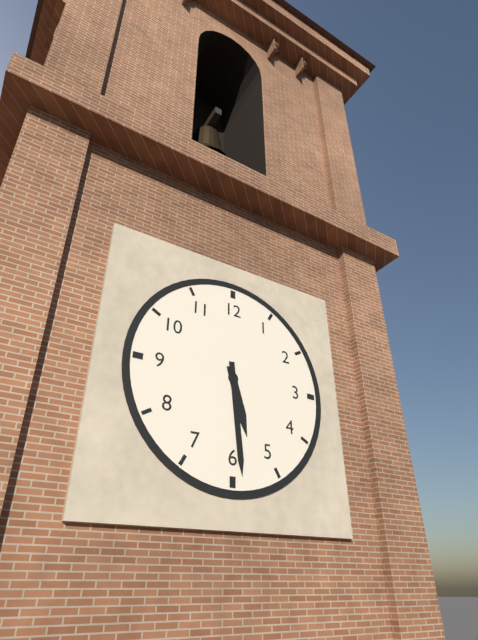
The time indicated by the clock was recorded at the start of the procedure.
5:29
